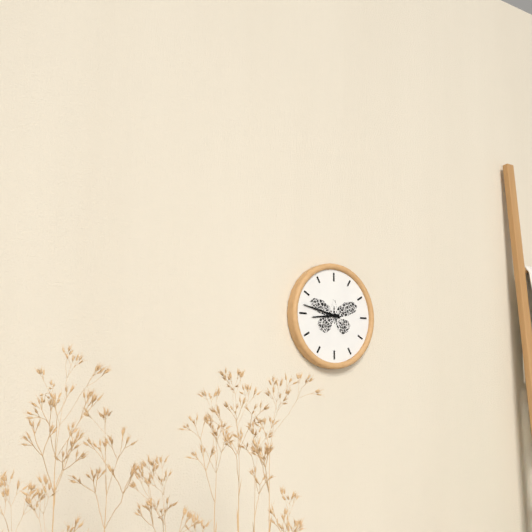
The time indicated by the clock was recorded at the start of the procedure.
8:47
